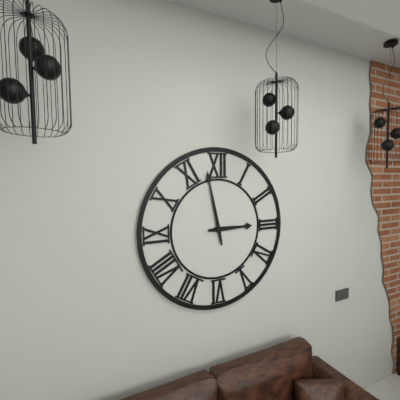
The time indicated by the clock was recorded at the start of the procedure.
2:58
